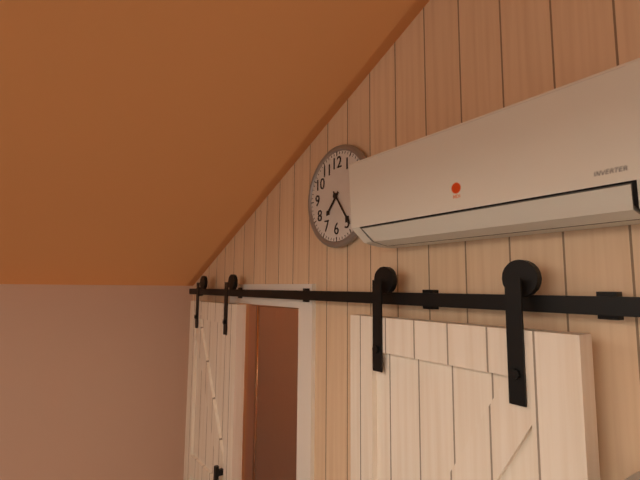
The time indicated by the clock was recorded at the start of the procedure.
7:24
